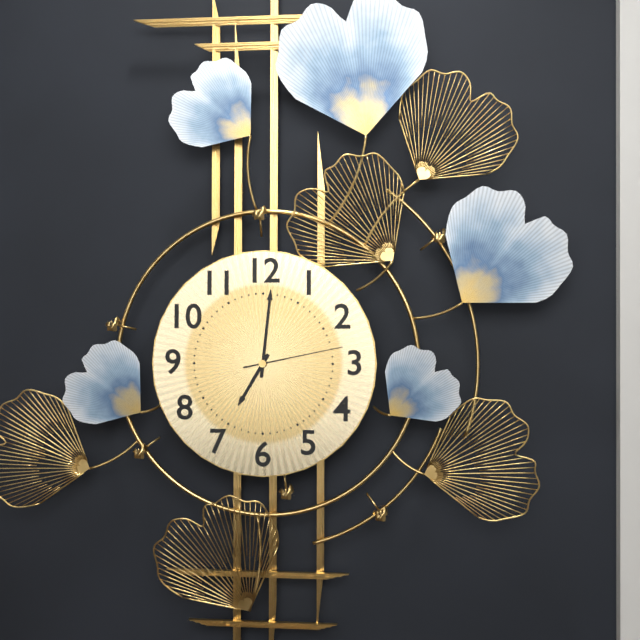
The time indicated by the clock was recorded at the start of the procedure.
7:01:13
